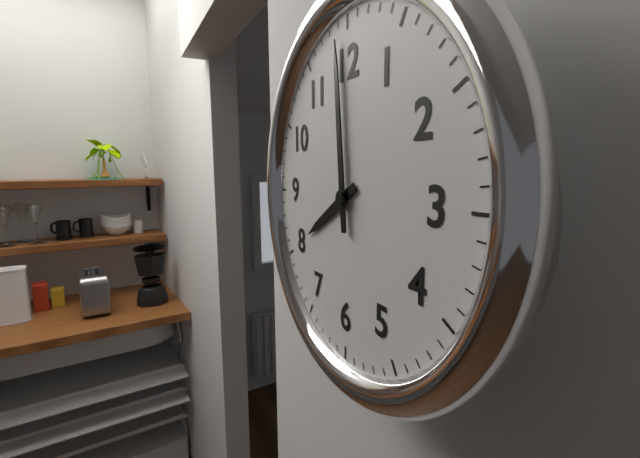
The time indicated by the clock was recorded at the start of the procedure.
7:59
